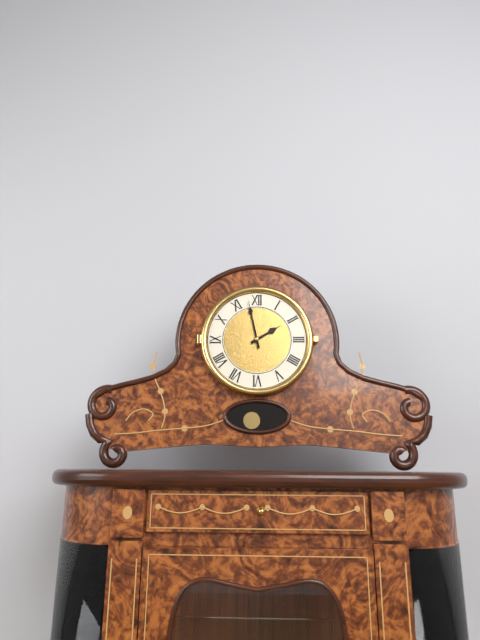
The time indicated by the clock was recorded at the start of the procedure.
1:58
